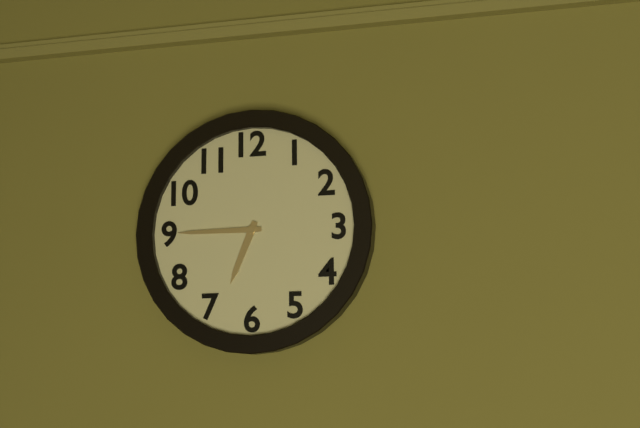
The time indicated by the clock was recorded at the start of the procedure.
6:45
